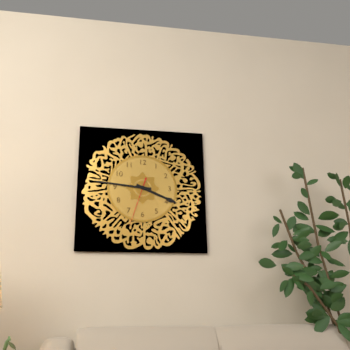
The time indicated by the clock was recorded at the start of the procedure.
3:46:33
